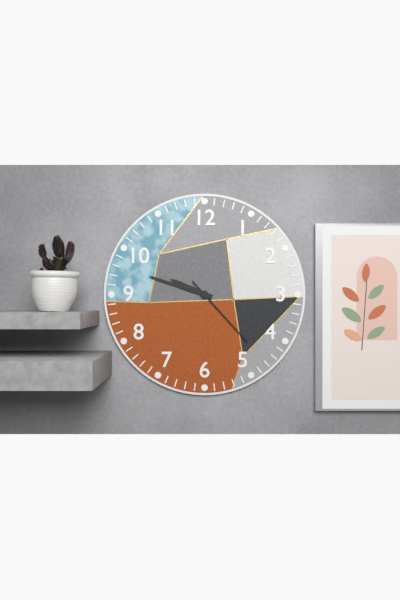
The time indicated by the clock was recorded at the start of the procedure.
9:48:23
